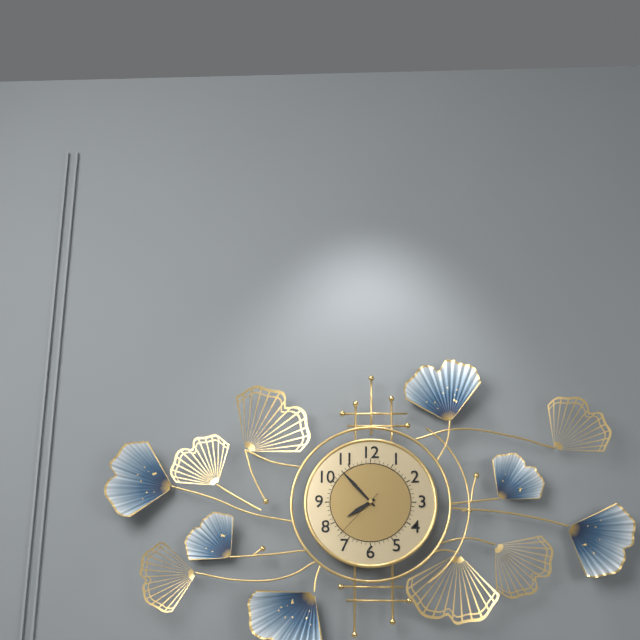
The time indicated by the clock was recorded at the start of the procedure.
7:53:37
